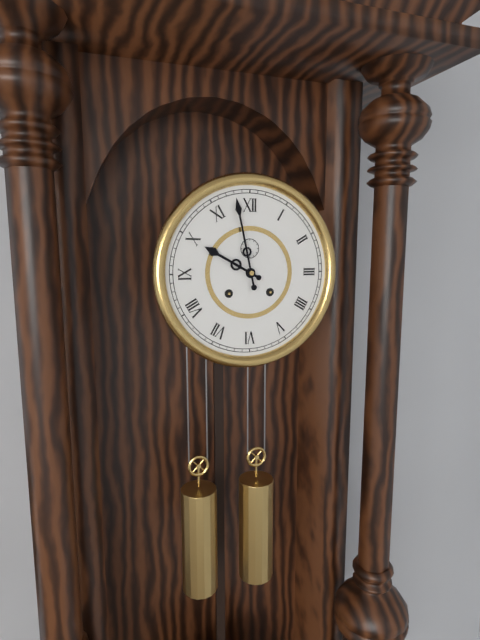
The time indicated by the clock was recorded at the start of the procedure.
9:58
